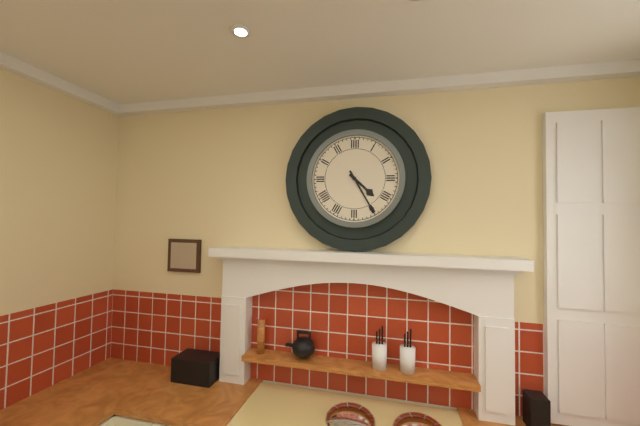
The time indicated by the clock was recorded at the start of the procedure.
4:25
